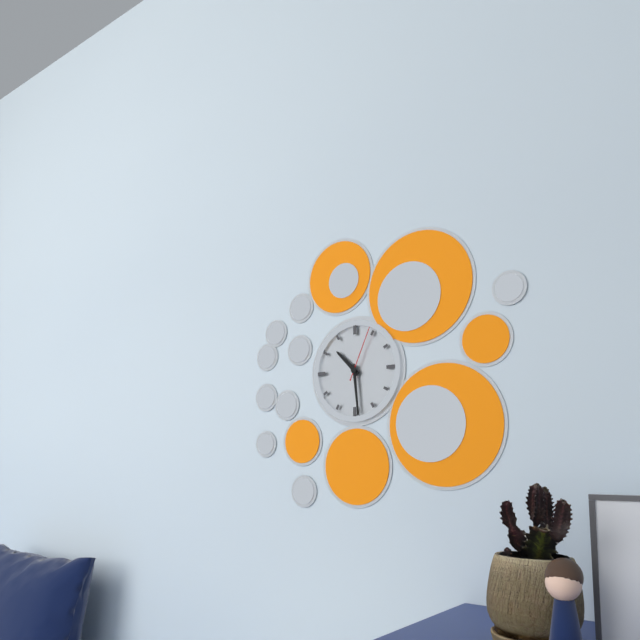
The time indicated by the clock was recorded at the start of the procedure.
10:29:04
